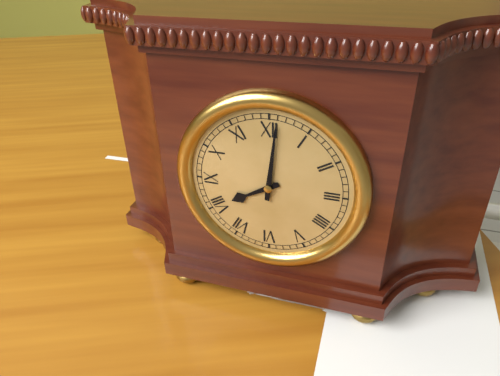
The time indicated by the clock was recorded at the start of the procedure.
8:01
